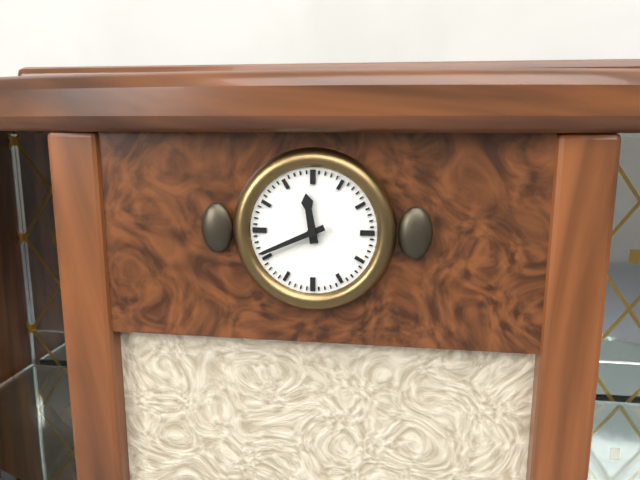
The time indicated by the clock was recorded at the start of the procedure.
11:41
